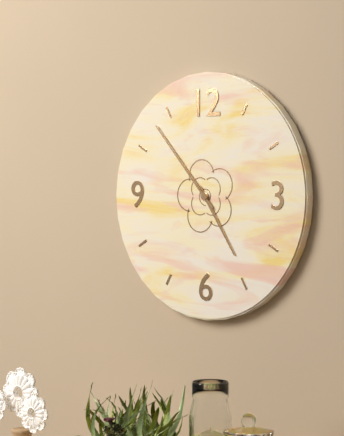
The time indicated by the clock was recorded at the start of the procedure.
4:53
